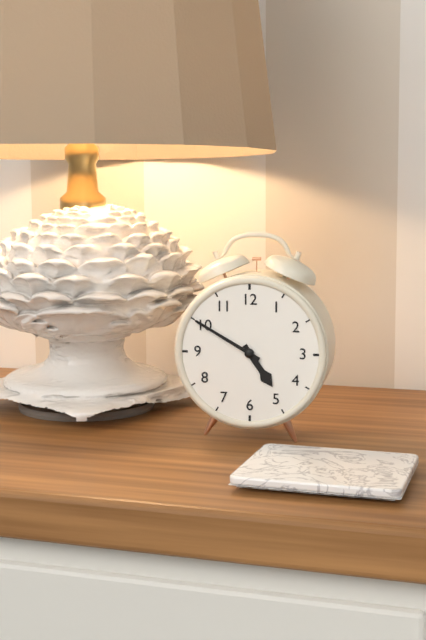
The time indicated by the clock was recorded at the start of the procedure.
4:50
